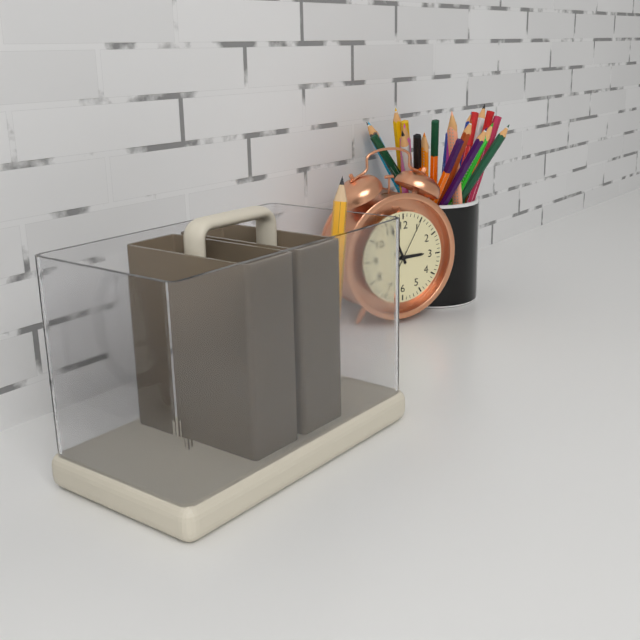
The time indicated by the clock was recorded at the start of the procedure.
2:56:05
